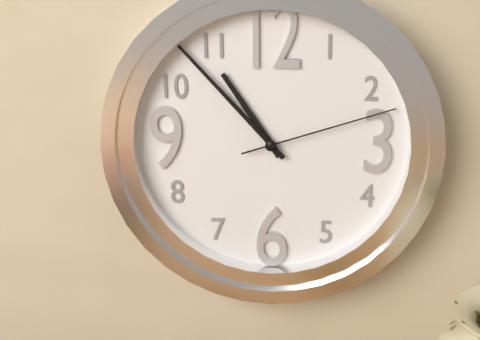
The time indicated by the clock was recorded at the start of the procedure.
10:53:12
